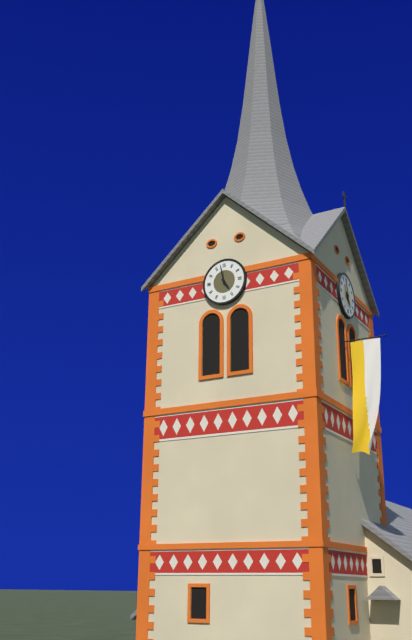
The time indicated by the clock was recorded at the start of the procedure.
4:58
